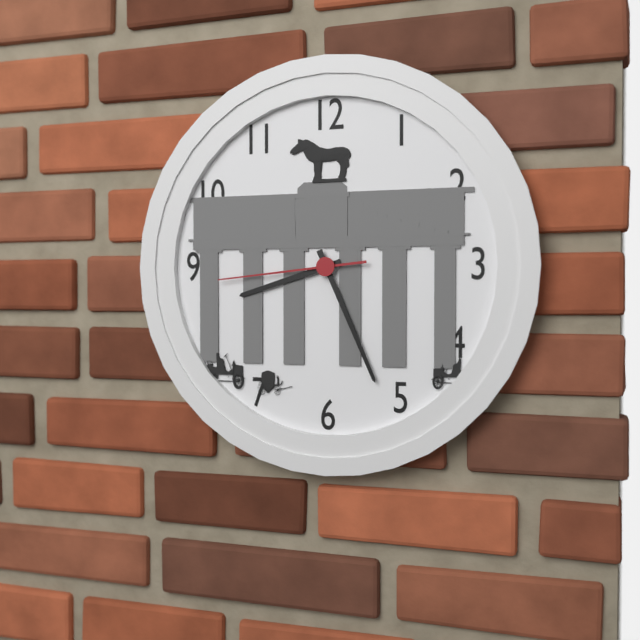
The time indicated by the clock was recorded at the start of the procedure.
8:26:44
